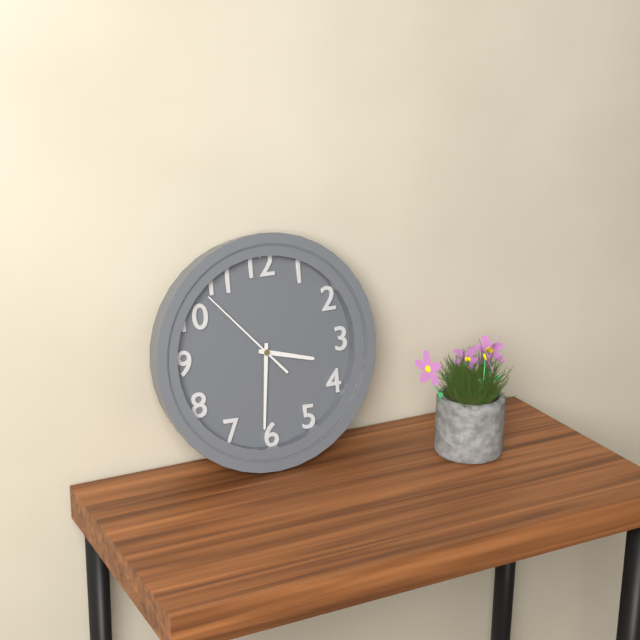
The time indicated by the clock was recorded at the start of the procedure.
3:31:53
